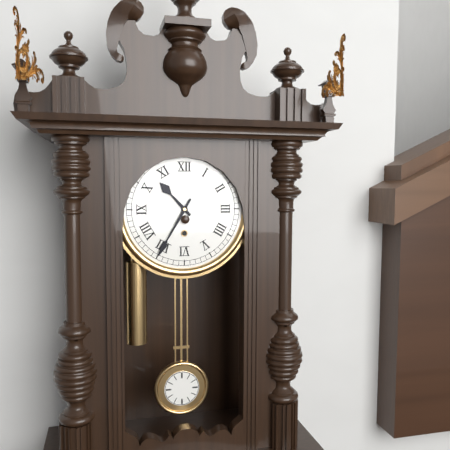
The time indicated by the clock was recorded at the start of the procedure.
10:35
